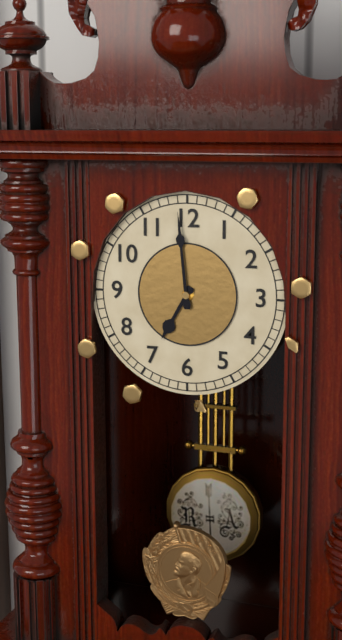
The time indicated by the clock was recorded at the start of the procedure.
6:59
